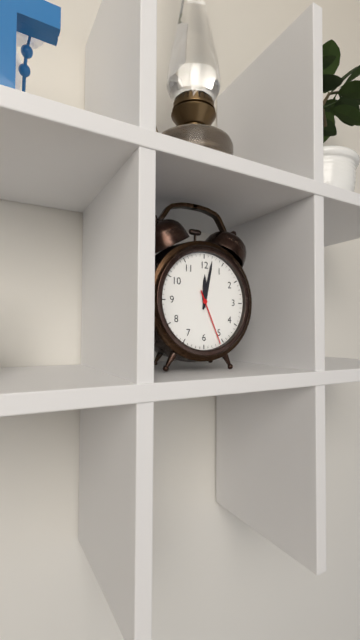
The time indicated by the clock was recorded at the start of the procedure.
12:02:26
